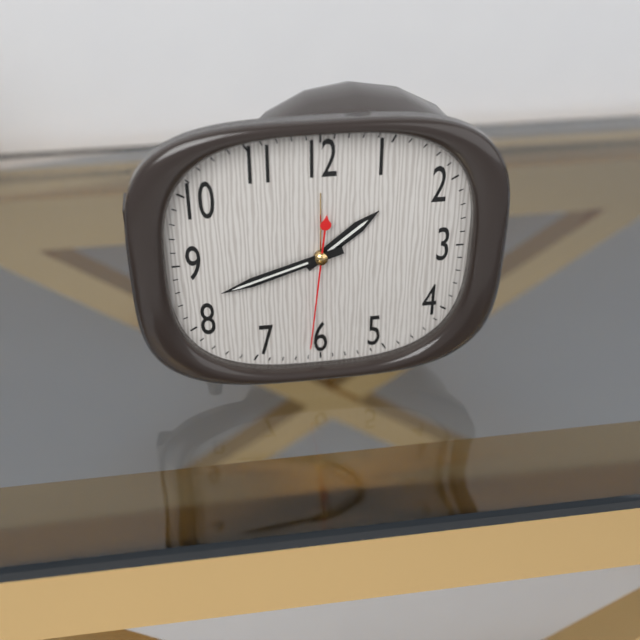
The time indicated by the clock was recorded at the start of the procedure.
1:42:31
